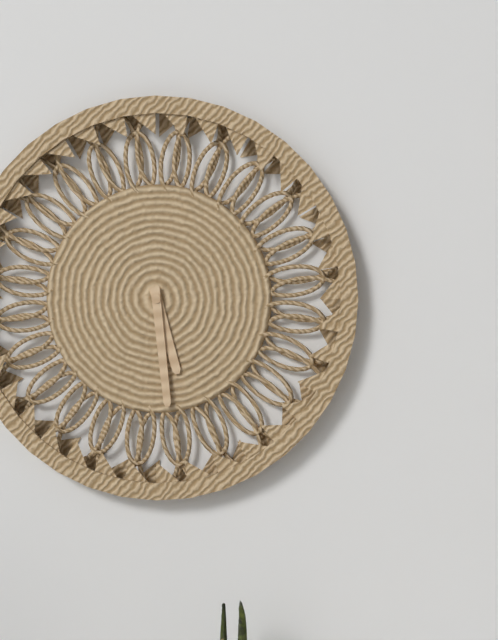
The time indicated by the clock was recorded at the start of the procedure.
5:29
